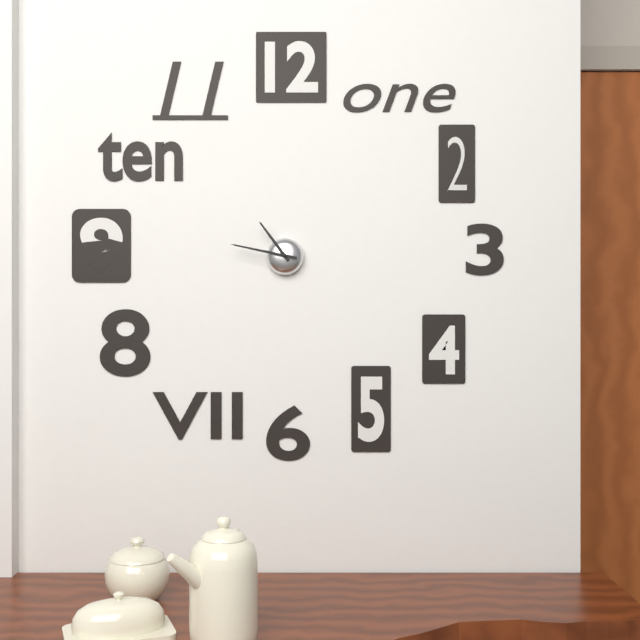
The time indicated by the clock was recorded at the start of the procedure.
10:47
